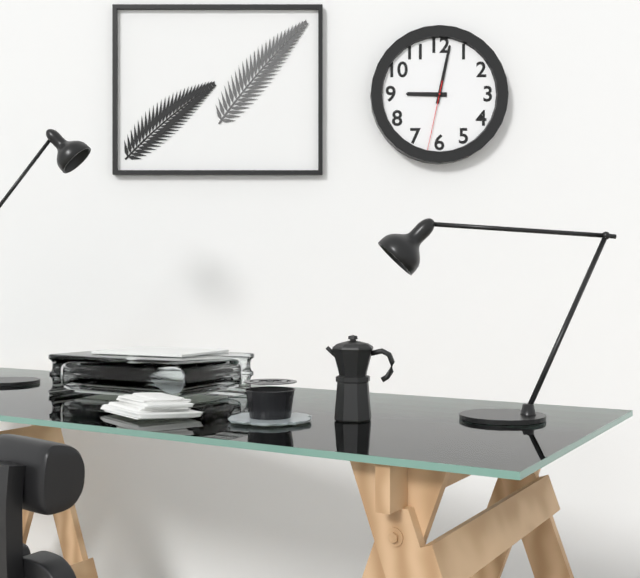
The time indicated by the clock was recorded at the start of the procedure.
9:02:32
